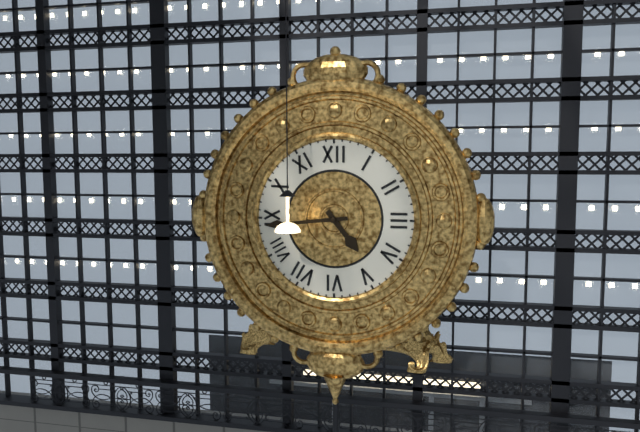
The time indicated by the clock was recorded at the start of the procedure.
4:44
